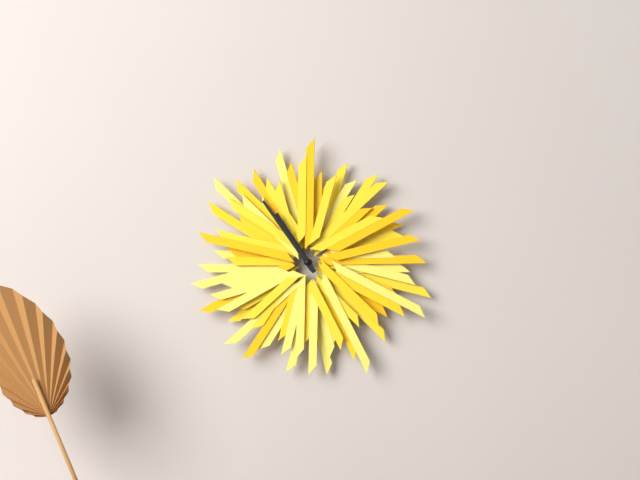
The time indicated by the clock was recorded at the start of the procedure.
10:54
